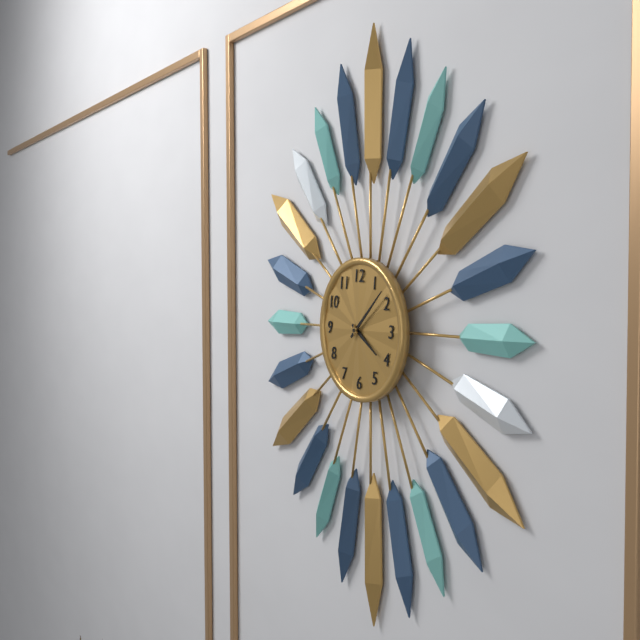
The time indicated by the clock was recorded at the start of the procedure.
4:08
